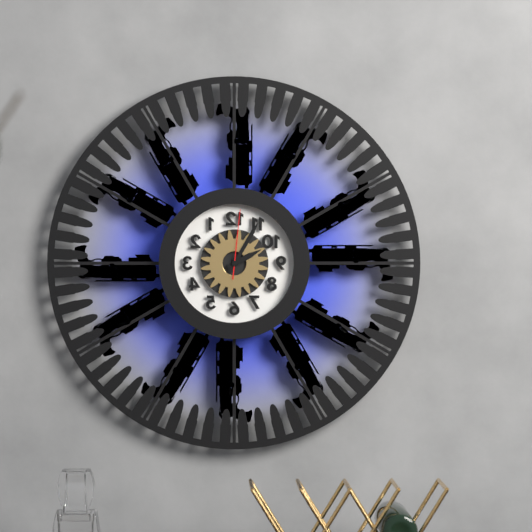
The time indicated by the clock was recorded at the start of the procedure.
2:05:01
